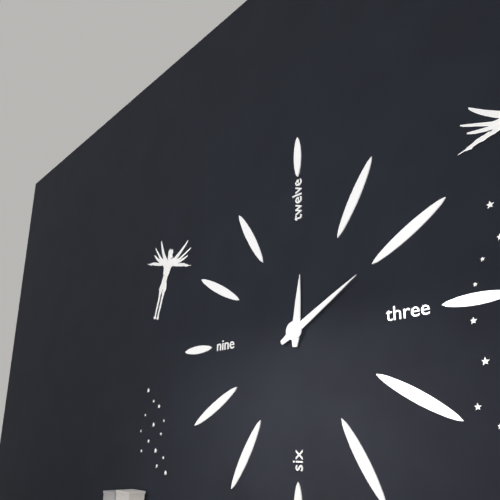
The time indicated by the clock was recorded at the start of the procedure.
12:10
